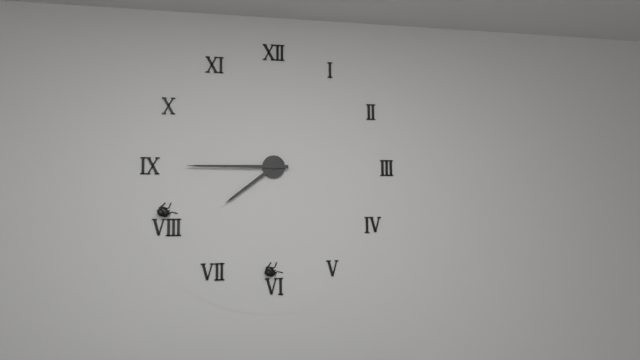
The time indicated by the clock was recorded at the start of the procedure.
7:45
